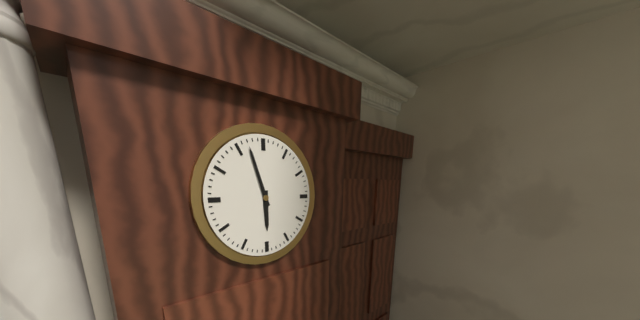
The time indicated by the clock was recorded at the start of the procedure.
5:57
